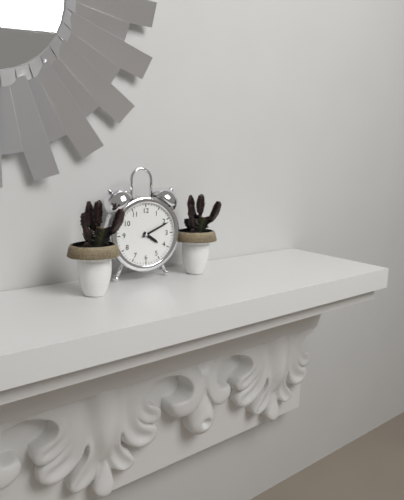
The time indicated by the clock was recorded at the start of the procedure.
4:11
